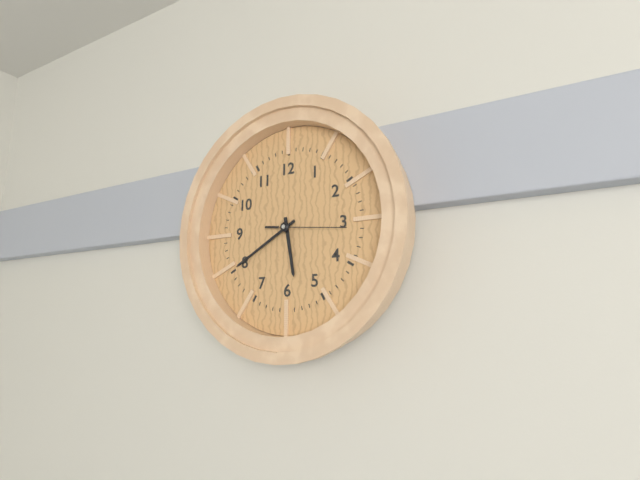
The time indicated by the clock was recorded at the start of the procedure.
5:40:16
